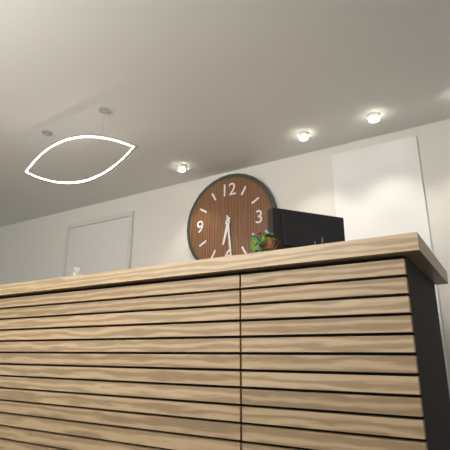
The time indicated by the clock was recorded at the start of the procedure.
6:29
